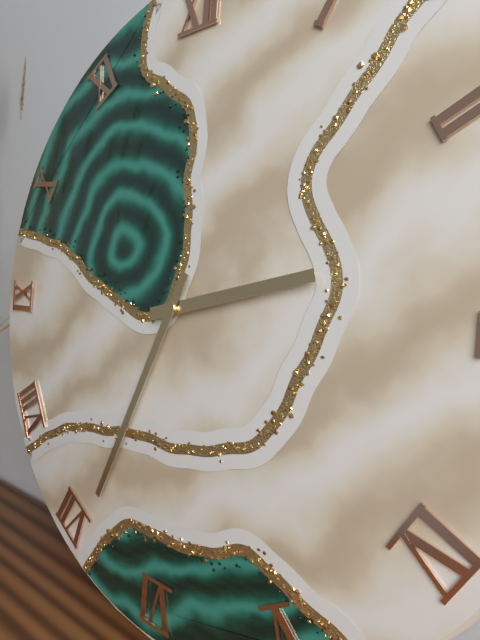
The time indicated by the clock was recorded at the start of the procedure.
2:34
